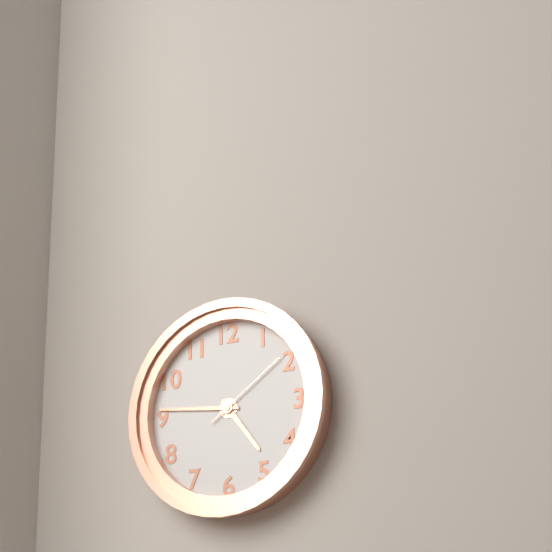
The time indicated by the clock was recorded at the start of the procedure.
4:46:09
